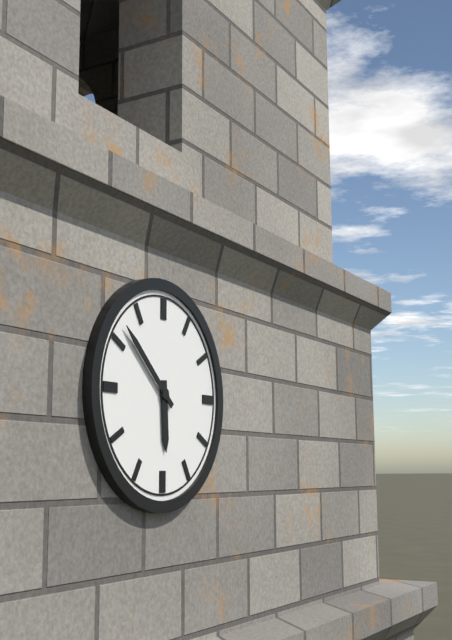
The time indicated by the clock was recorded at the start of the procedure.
5:52
